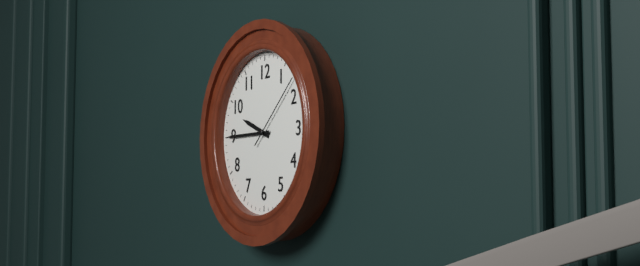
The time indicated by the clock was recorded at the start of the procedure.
9:45:08
